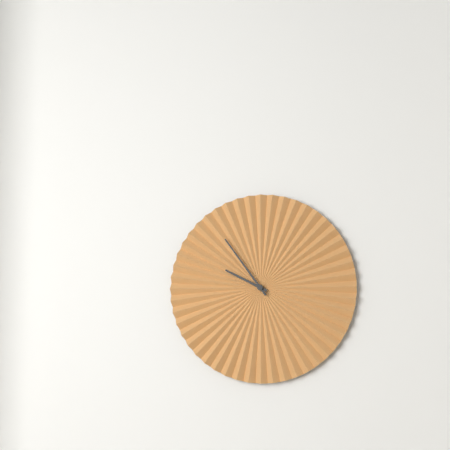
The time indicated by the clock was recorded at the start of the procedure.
9:54
